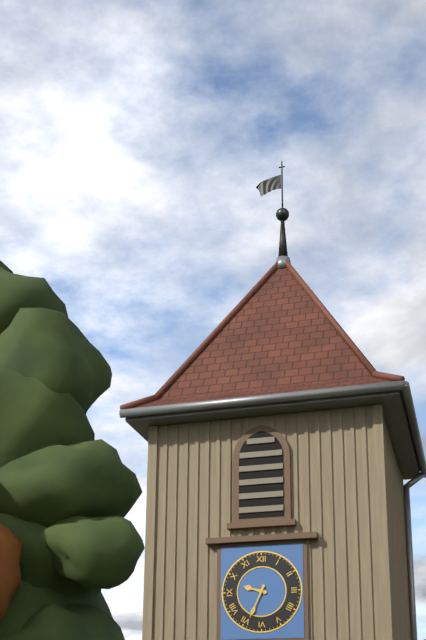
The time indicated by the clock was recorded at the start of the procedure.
9:34
